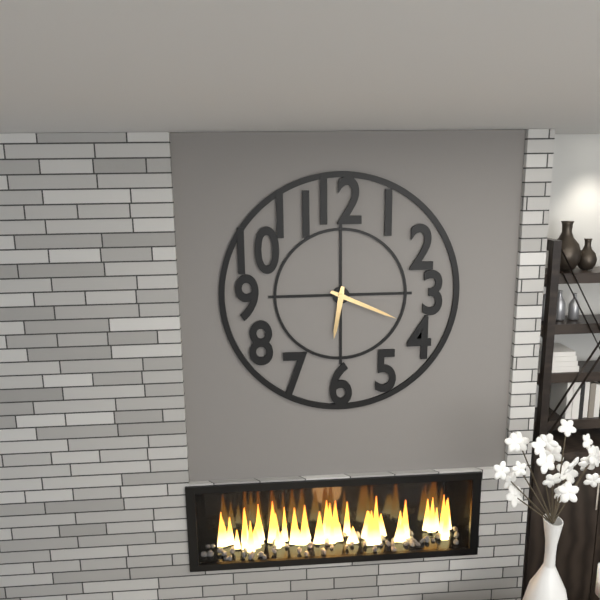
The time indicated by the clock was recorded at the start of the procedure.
6:19
